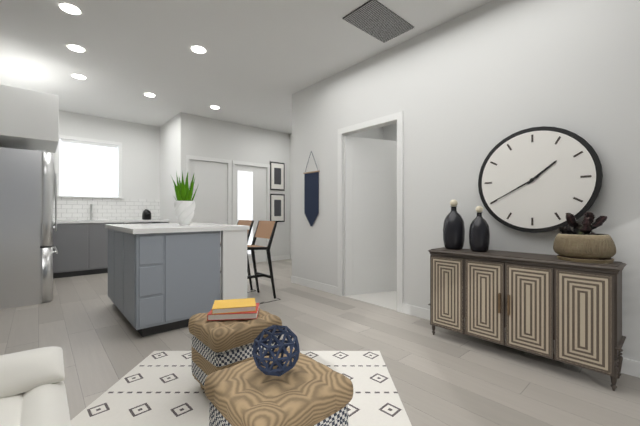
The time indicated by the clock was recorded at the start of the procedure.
1:40
